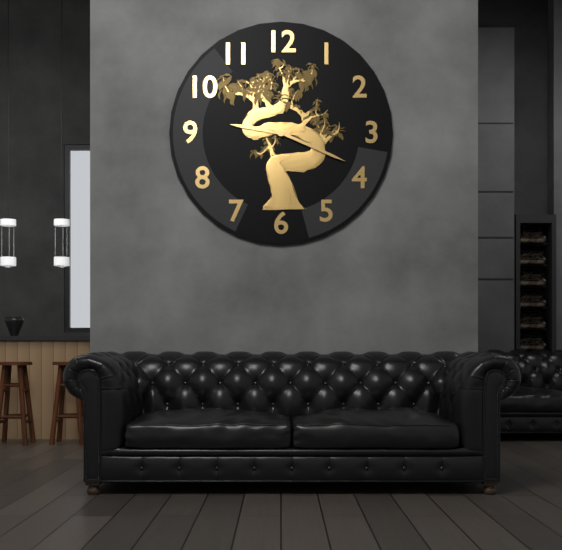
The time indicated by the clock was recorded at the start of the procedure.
9:19
